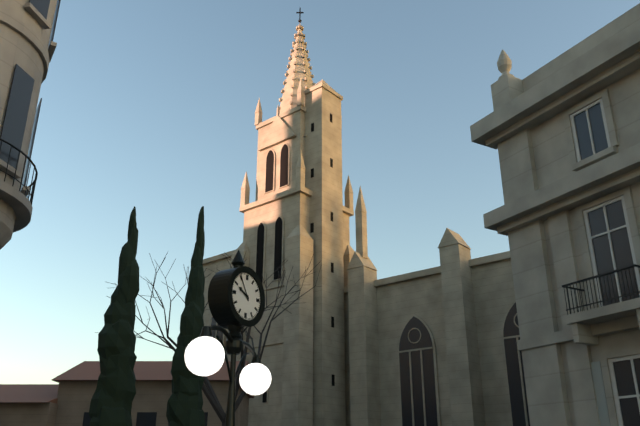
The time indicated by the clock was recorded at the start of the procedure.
9:55
